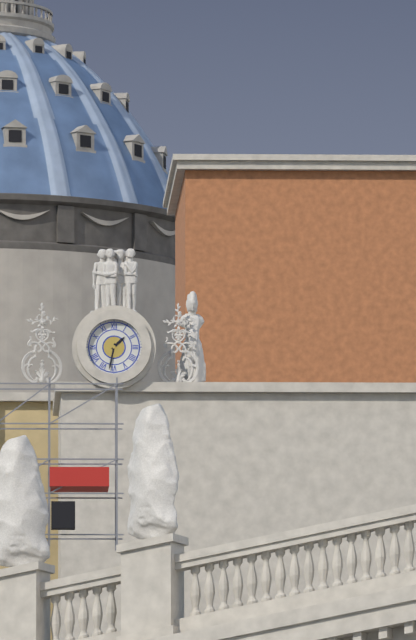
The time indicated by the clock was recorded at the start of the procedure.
1:32
